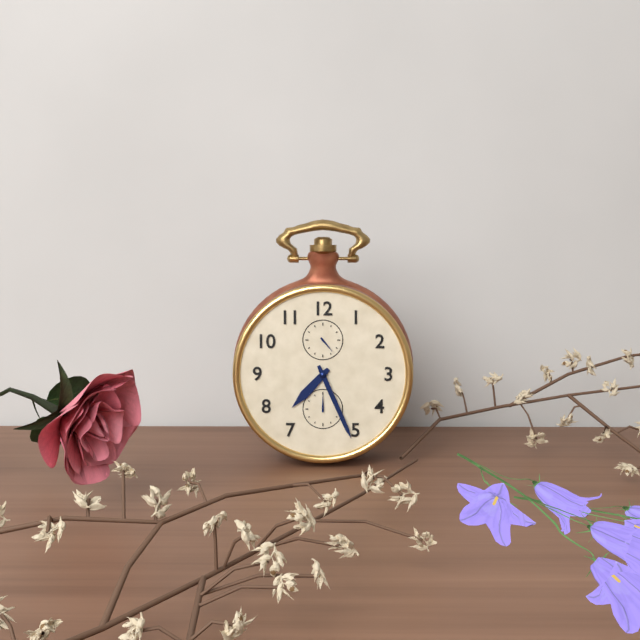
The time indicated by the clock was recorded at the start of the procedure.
7:26
